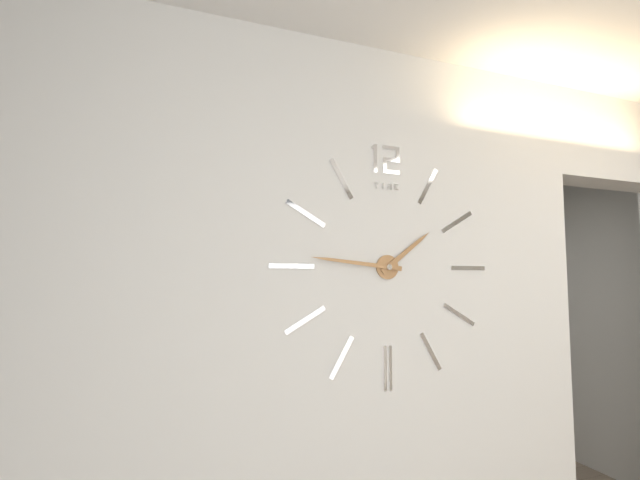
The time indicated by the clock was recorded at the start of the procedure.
1:46
